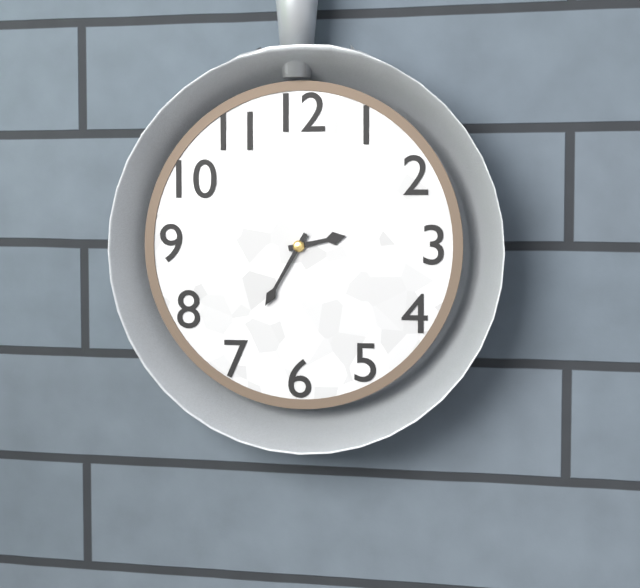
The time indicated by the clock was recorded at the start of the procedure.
2:35
